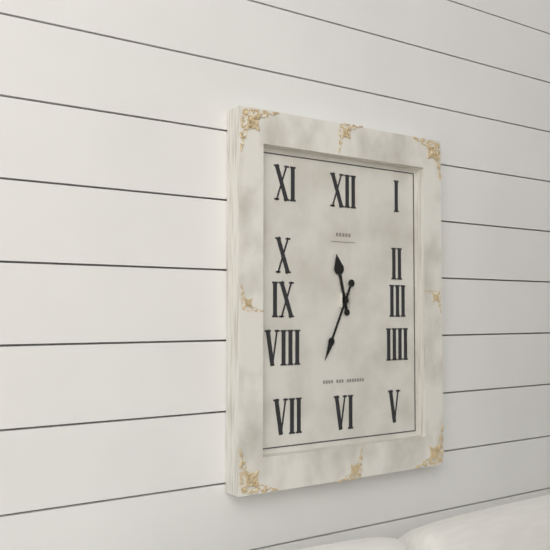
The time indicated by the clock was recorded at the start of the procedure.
11:34
